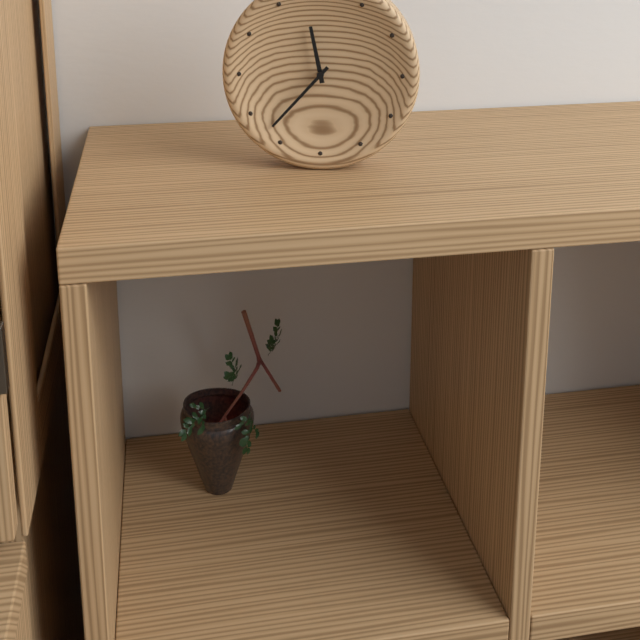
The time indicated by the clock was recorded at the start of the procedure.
11:37
